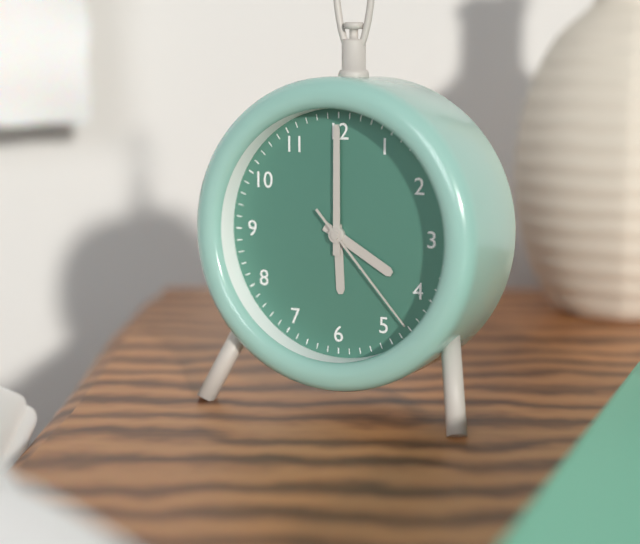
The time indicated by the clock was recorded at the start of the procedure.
4:00:23
